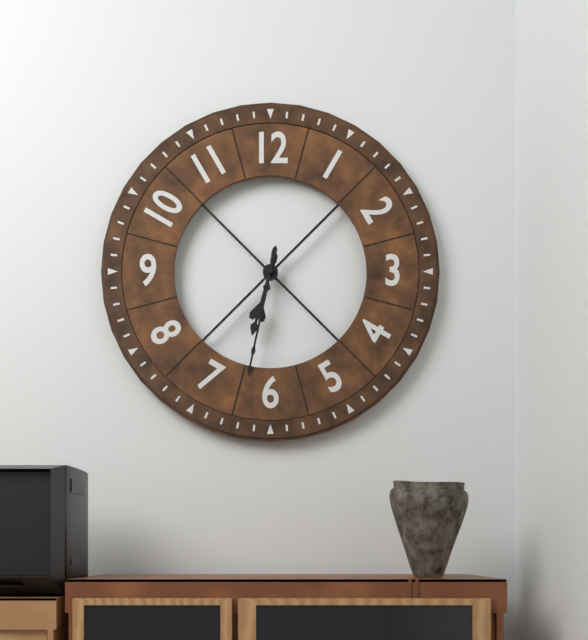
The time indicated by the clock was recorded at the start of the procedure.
6:32
